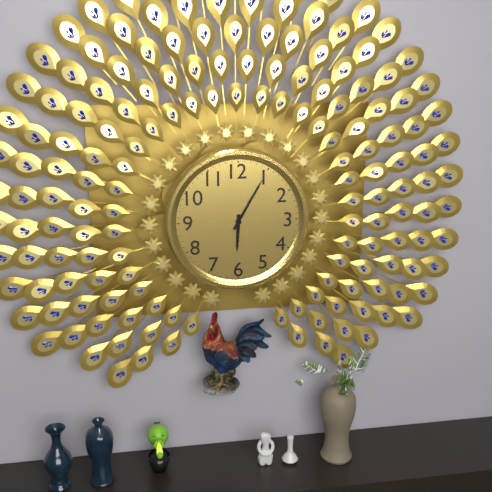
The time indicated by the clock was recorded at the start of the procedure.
6:05
